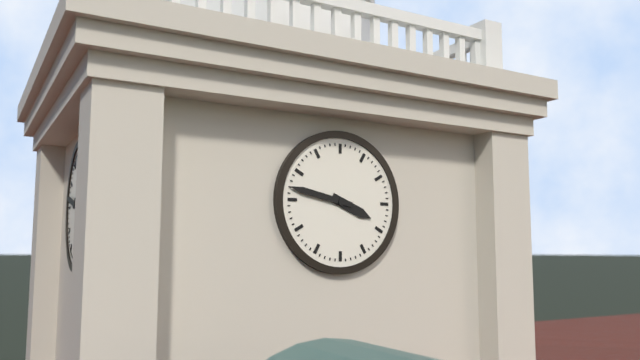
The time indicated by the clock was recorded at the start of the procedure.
3:47
